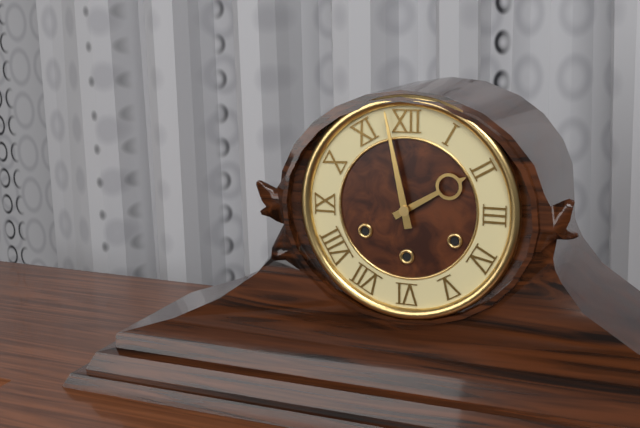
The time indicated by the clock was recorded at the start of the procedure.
1:58
